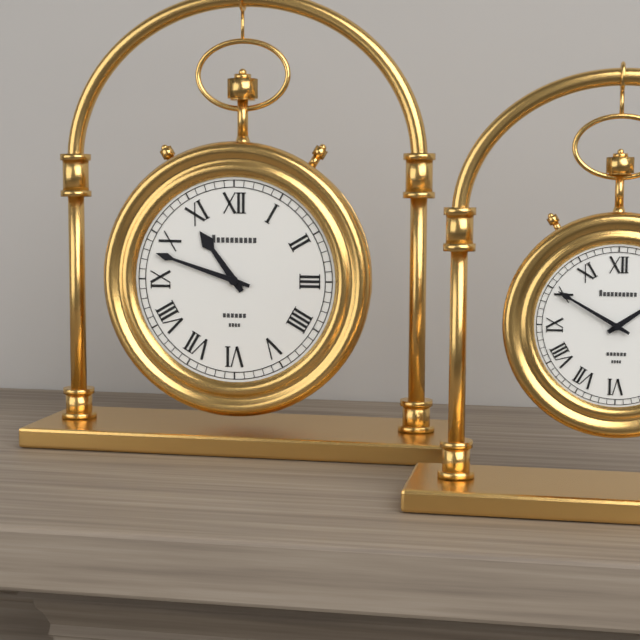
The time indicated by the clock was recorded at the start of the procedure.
10:48
